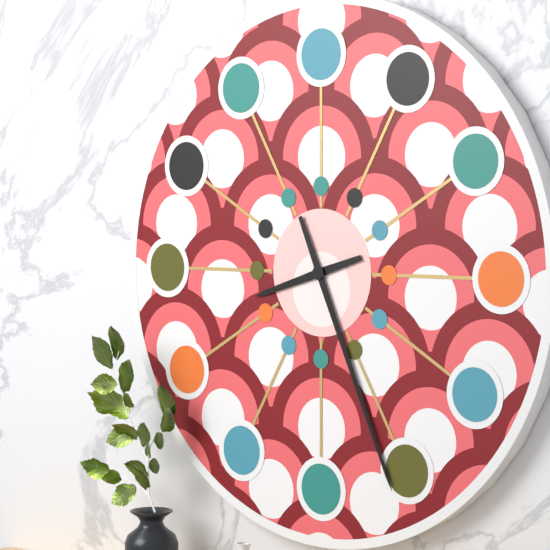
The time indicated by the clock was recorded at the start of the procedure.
8:26
